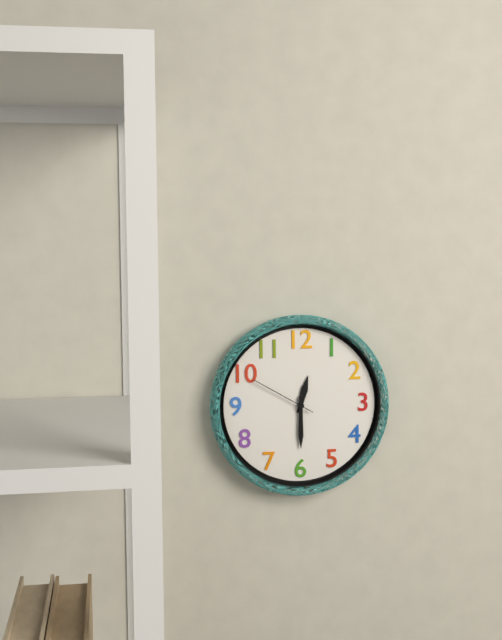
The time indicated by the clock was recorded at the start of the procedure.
12:30:50
